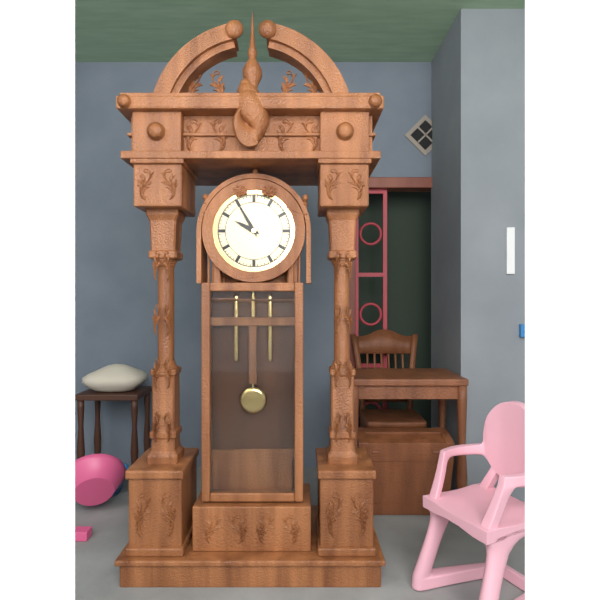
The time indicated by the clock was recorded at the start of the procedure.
9:55
